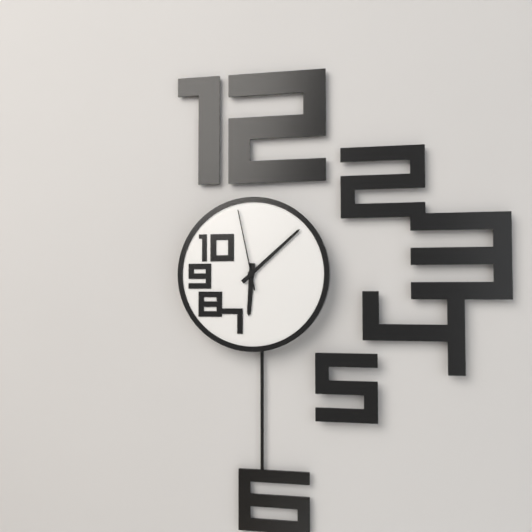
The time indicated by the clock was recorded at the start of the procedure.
6:08:58
